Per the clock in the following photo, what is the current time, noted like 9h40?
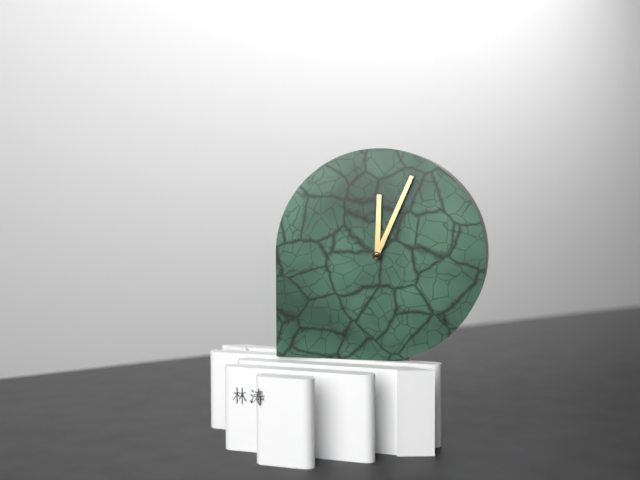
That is 12h04
